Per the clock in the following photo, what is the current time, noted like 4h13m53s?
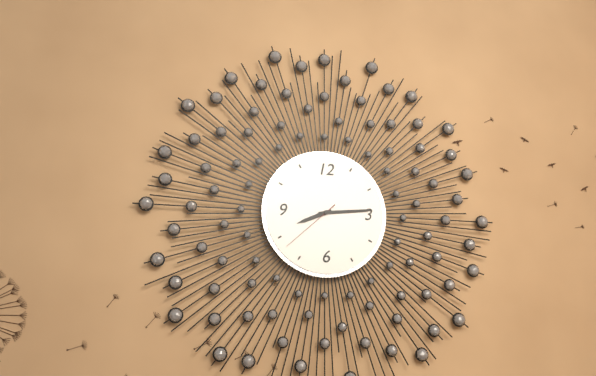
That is 8h14m38s
